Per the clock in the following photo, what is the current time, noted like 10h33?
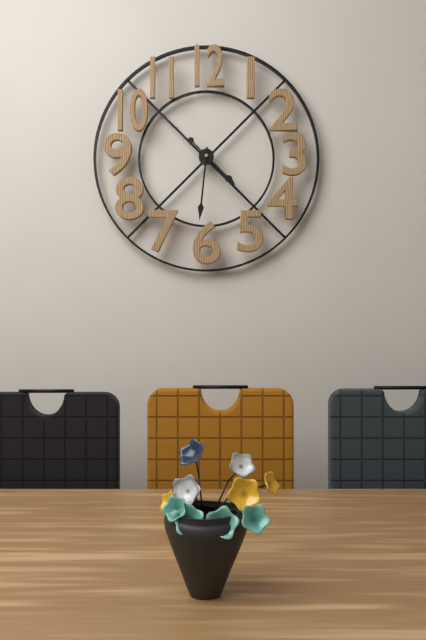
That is 4h31
